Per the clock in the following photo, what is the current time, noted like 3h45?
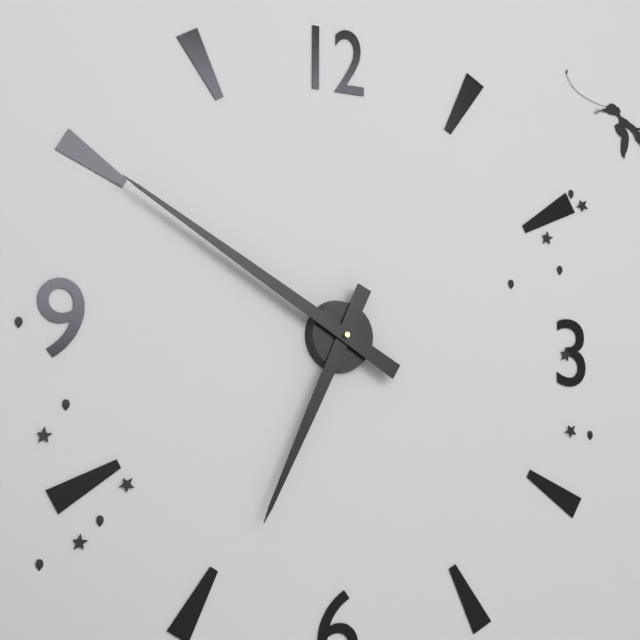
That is 6h50
